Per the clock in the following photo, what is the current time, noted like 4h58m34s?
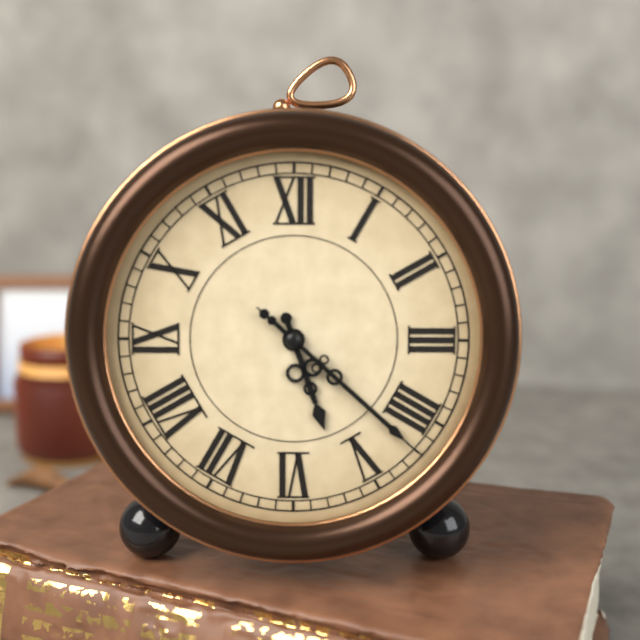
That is 5h22m22s
